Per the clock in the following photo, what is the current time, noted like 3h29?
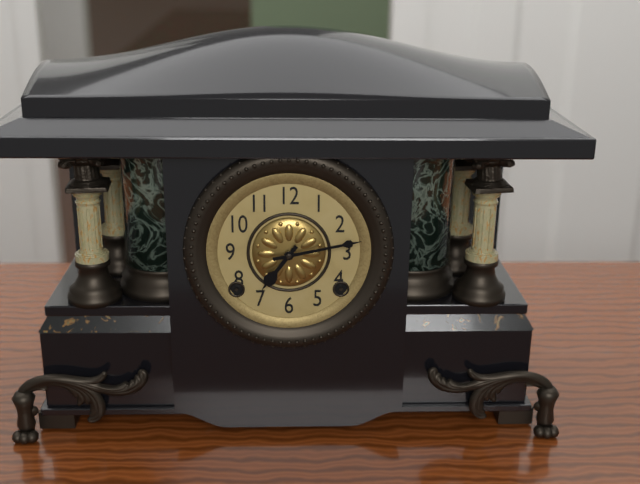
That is 7h13
